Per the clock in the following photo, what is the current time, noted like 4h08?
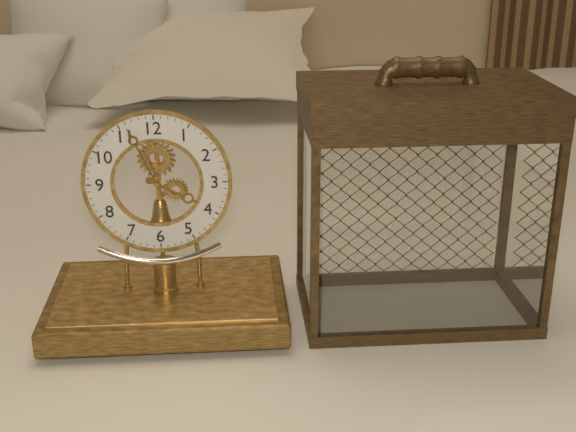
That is 3h56
